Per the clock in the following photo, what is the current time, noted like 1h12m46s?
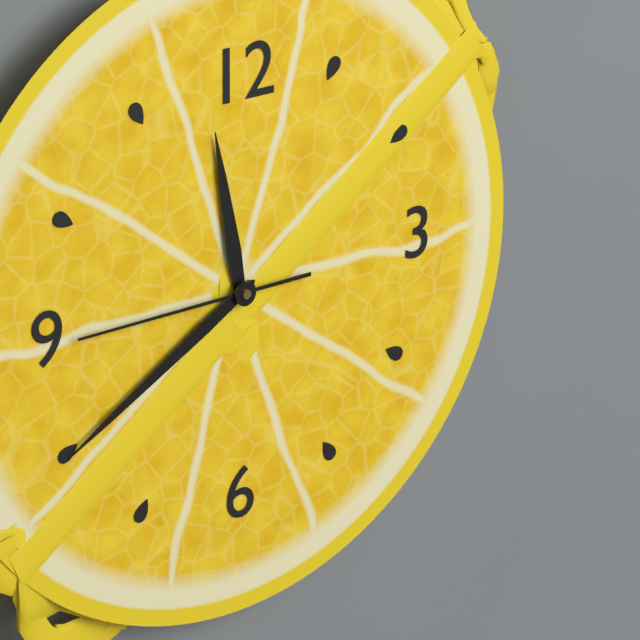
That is 11h40m45s
